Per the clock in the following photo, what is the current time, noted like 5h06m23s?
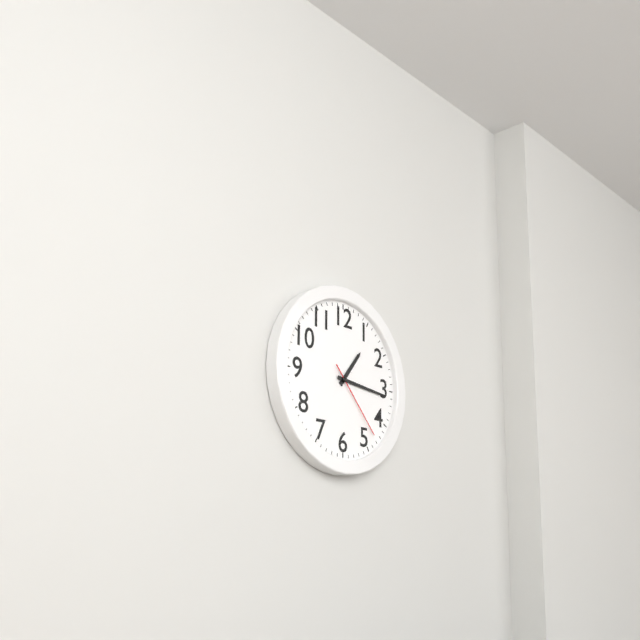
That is 1h16m23s
